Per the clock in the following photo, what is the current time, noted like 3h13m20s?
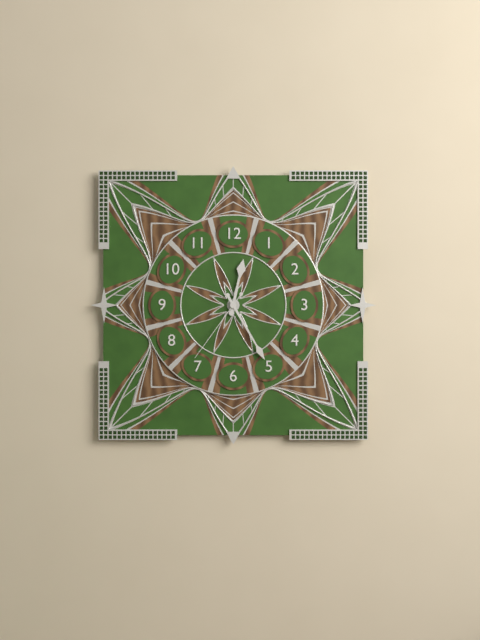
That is 12h25m36s
